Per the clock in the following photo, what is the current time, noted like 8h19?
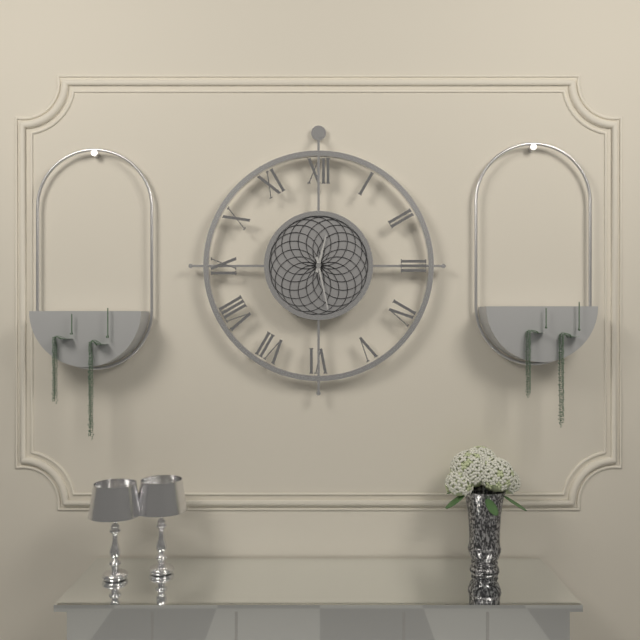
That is 12h28
